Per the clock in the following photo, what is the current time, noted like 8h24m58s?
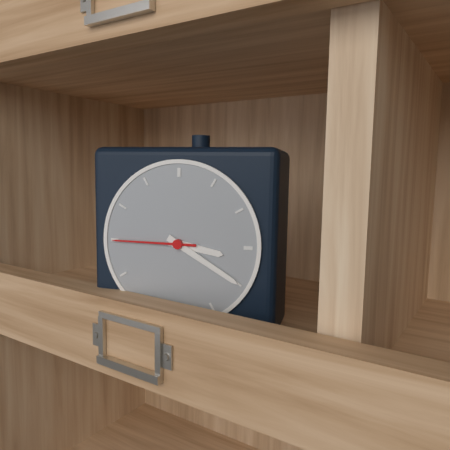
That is 3h20m45s
